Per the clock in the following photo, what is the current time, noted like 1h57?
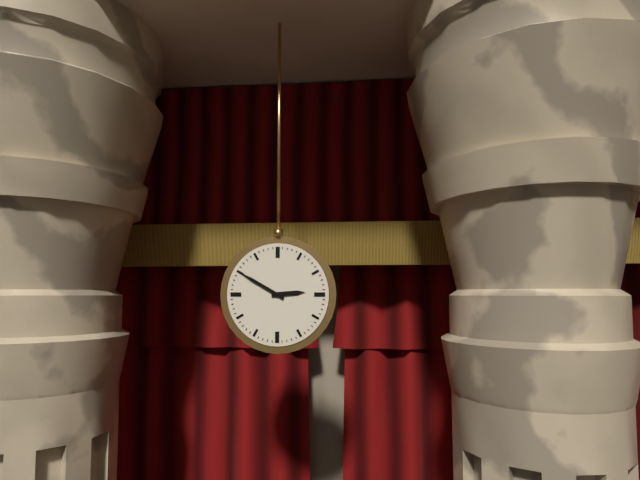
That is 2h50
